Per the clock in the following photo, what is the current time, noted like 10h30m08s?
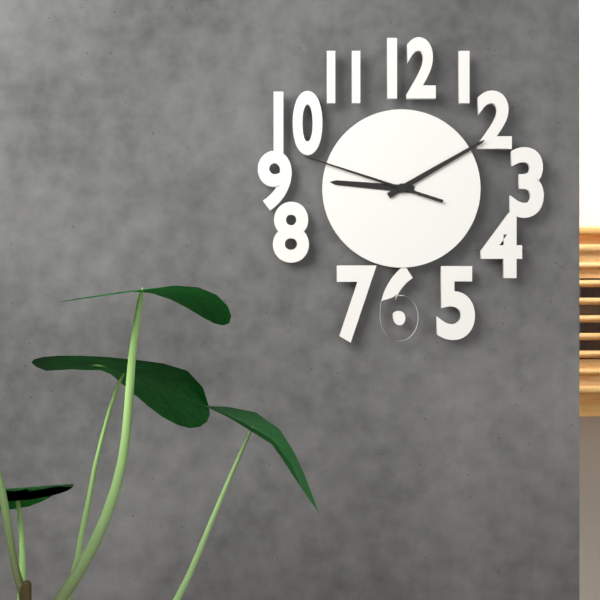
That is 9h10m48s
